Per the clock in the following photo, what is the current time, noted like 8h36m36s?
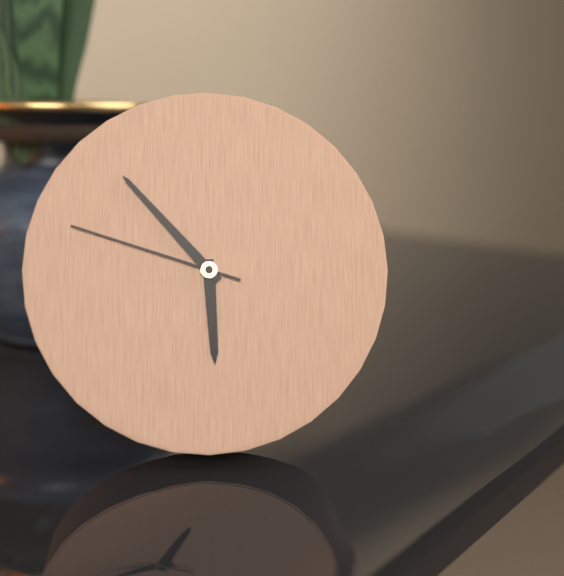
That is 5h53m48s
